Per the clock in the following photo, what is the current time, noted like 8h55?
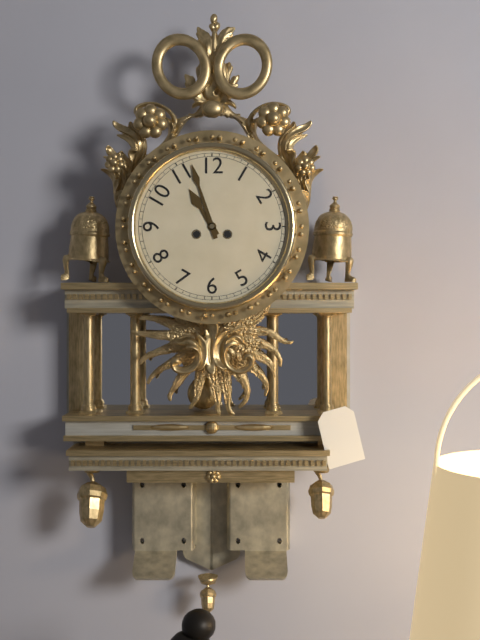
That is 10h57
